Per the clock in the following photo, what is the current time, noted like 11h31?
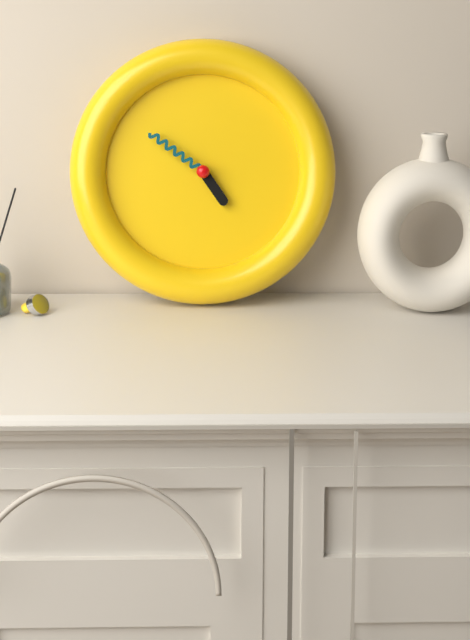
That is 4h51
